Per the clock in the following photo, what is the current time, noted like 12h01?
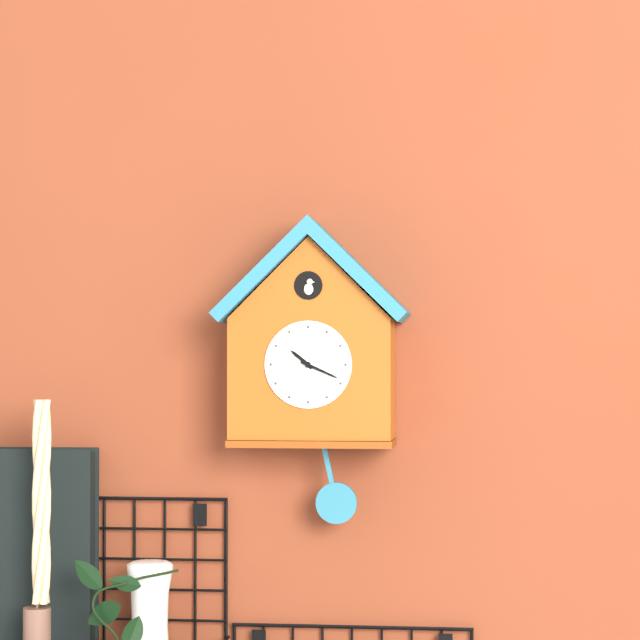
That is 10h19
